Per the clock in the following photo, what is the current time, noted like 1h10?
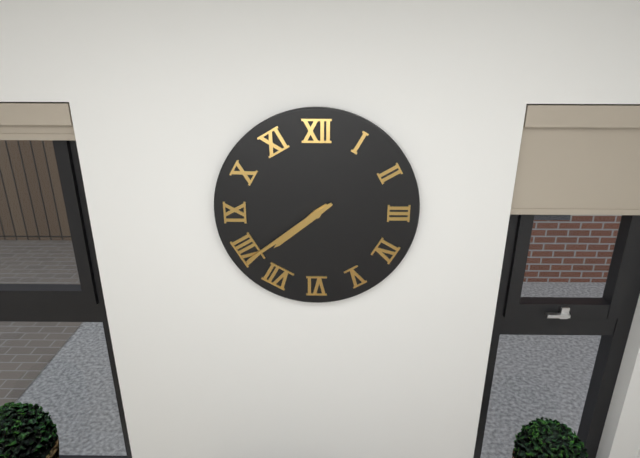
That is 7h39
